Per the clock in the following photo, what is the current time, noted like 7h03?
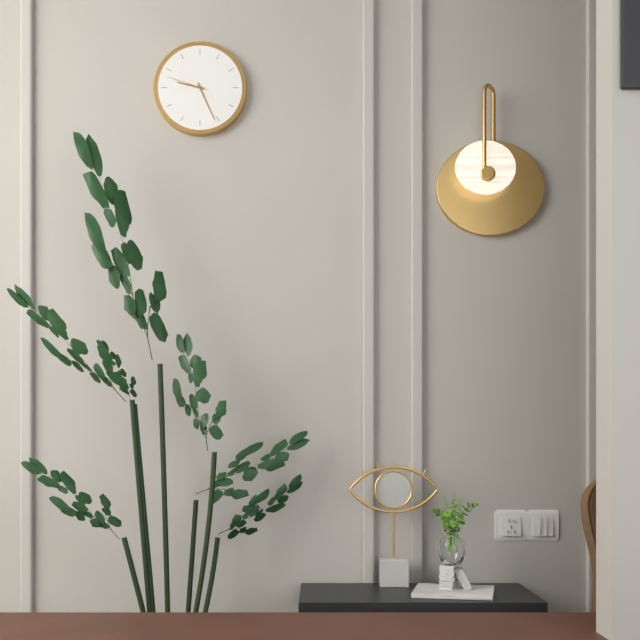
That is 9h26
